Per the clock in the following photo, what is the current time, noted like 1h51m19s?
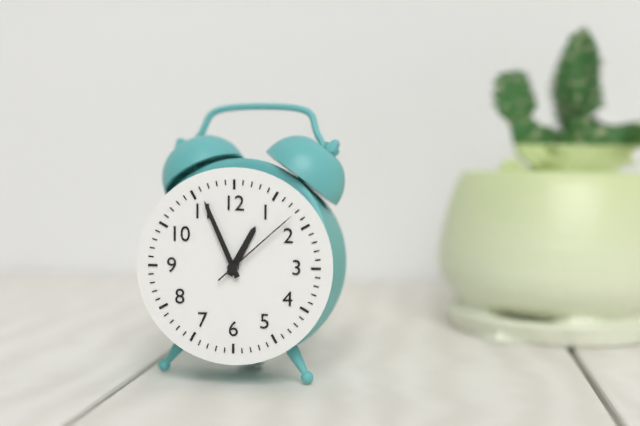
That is 12h56m08s
